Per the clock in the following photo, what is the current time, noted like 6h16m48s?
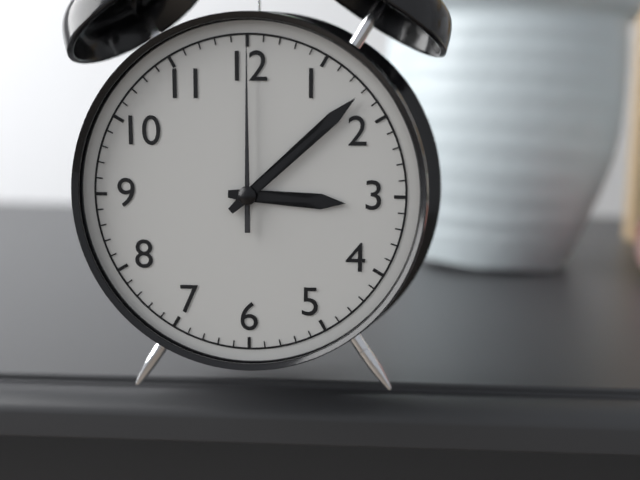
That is 3h08m00s
